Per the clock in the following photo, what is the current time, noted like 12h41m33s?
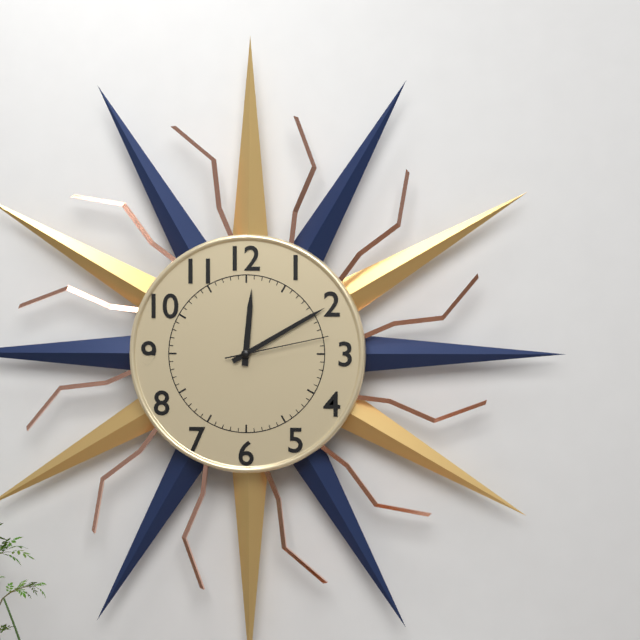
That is 12h10m13s
